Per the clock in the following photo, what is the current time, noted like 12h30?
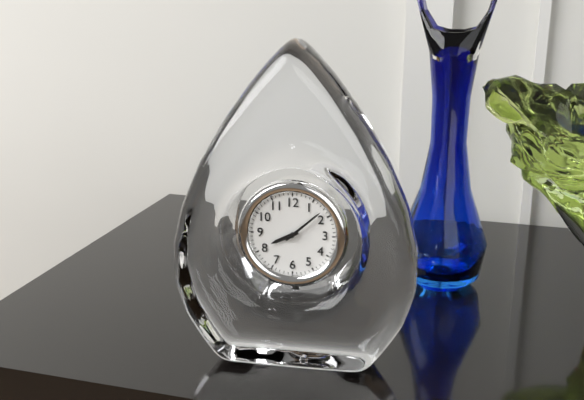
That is 8h08
